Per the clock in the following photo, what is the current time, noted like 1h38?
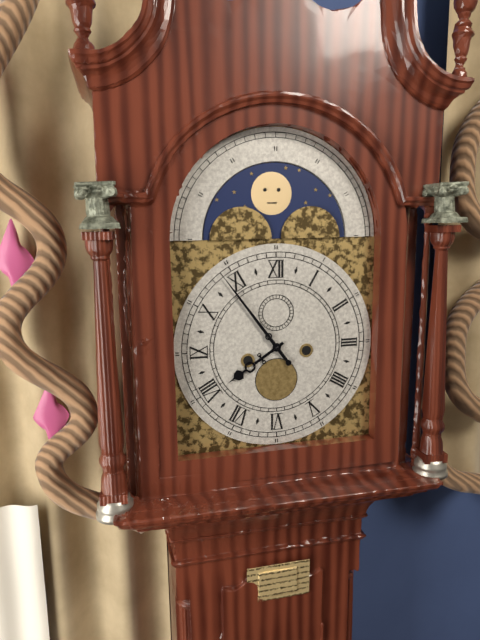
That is 7h54
